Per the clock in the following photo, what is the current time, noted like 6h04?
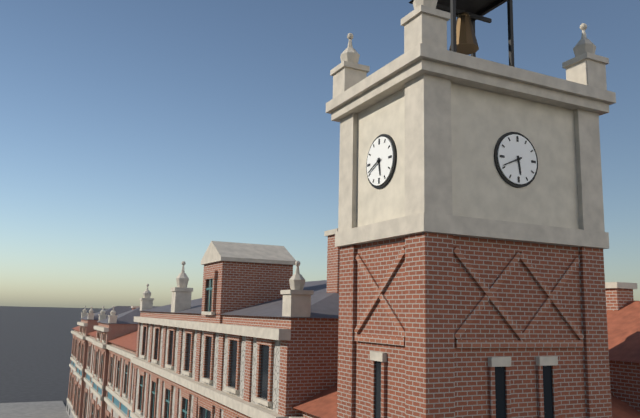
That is 5h41
